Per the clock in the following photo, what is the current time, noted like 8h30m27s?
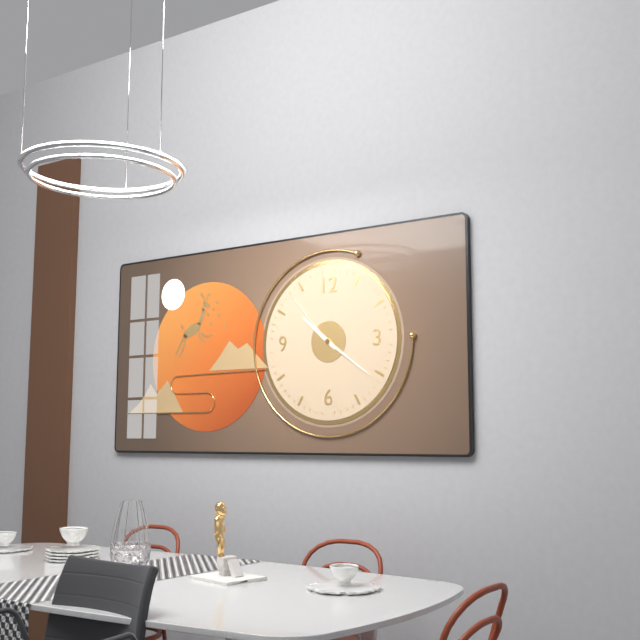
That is 10h21m53s
